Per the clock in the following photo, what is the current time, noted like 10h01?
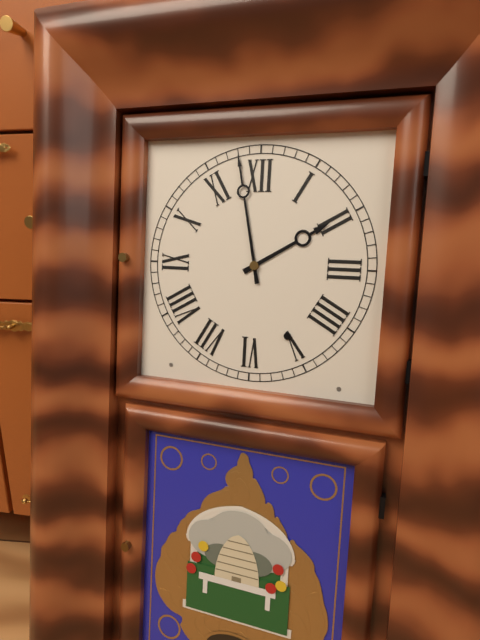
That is 1h58
